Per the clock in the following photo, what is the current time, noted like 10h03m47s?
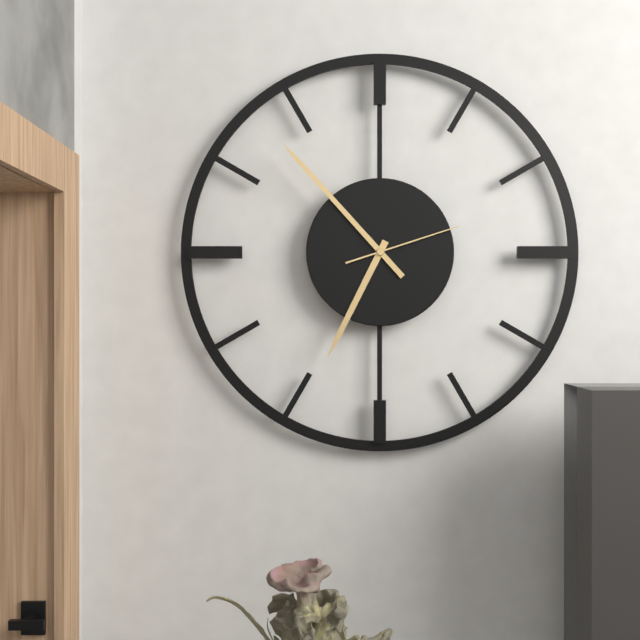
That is 6h53m12s
